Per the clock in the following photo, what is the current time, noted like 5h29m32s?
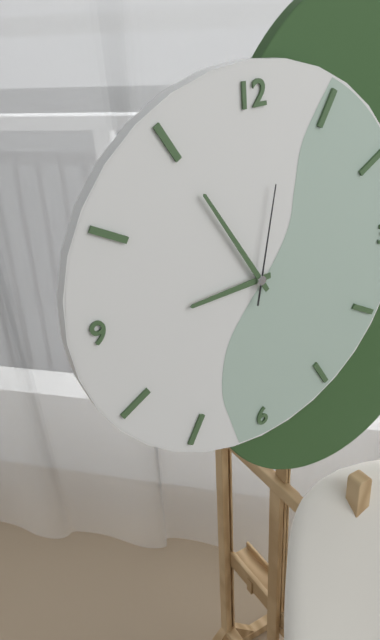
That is 8h55m02s
